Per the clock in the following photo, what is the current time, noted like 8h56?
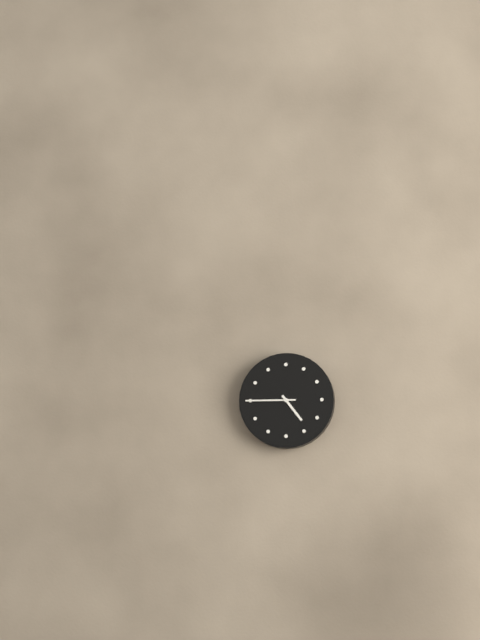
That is 4h45
